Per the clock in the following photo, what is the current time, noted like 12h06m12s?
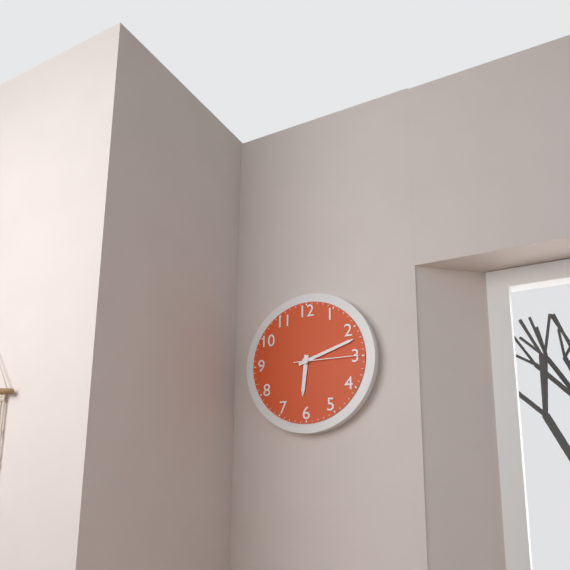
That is 6h12m15s
